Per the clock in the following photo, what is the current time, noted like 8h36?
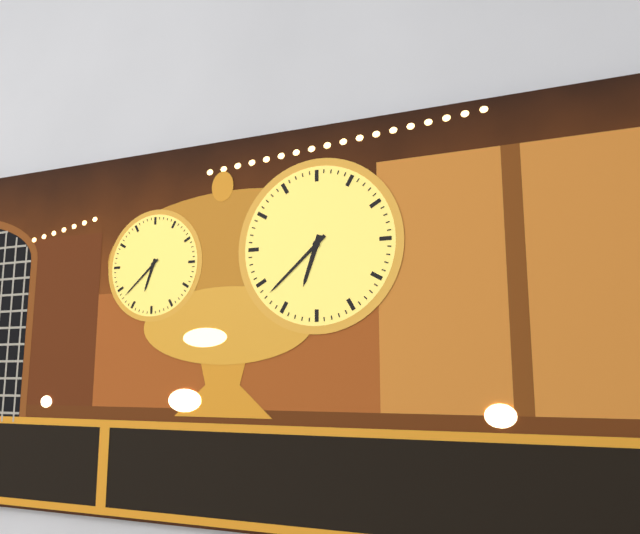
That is 6h38
